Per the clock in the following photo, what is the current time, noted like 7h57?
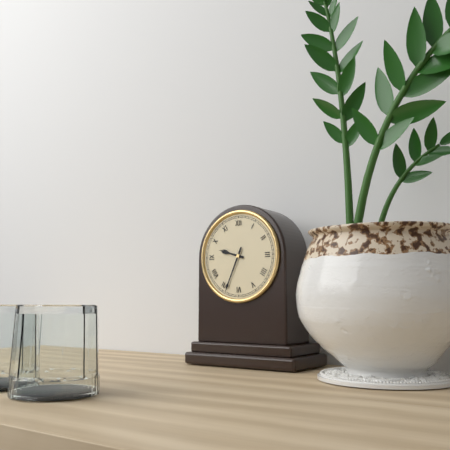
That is 9h34
